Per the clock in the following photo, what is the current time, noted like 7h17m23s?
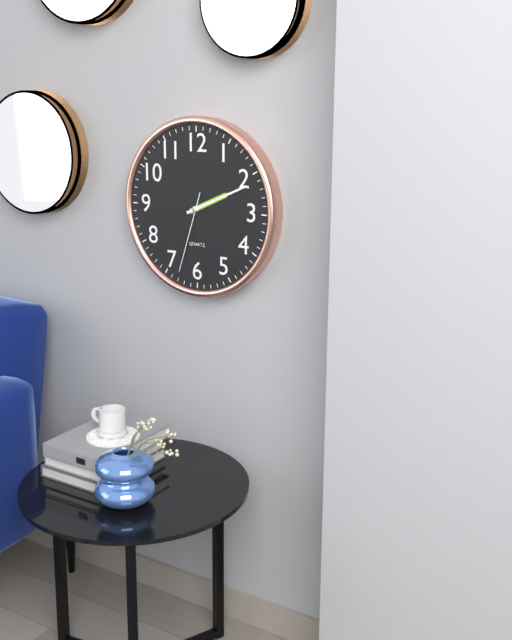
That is 2h11m33s
